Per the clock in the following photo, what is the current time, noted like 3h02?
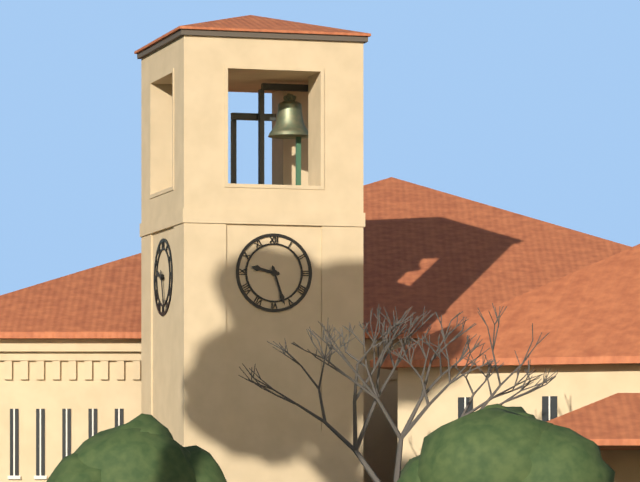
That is 9h27
